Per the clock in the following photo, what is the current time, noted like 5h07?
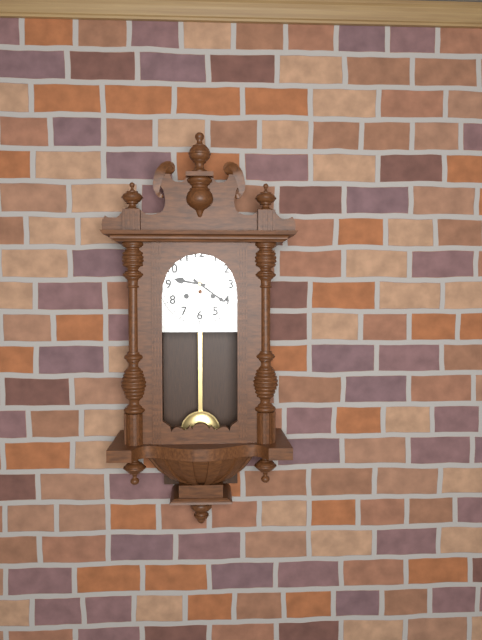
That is 9h21
